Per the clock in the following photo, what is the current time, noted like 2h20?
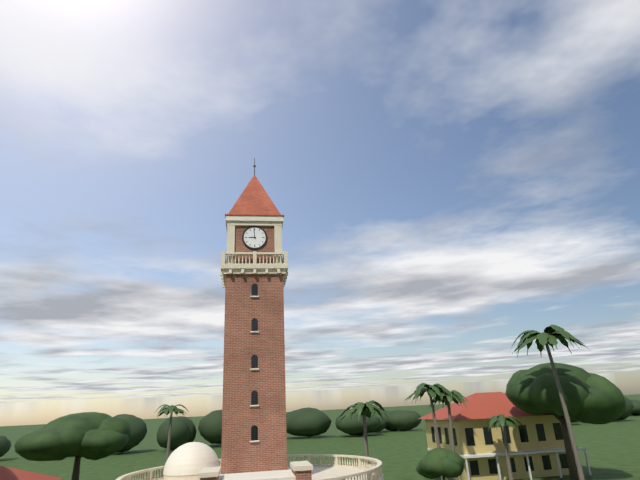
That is 8h59
